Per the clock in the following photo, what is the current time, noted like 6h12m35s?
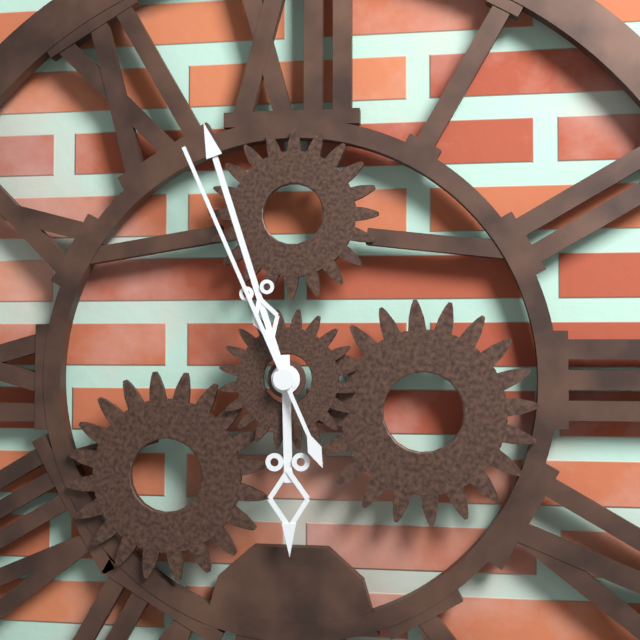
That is 5h57m56s
